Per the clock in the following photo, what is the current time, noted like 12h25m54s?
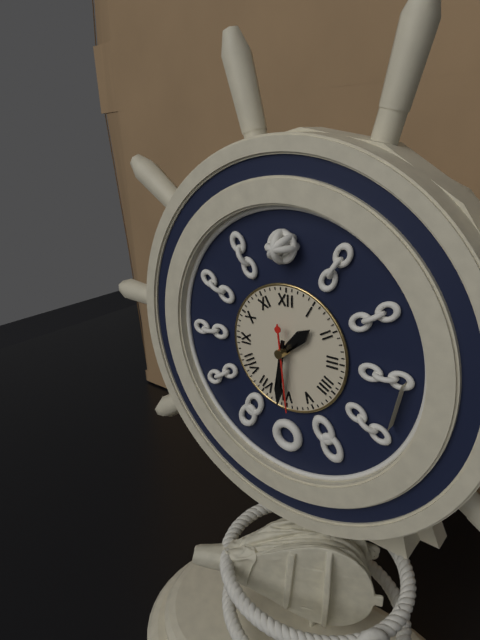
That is 1h31m29s
